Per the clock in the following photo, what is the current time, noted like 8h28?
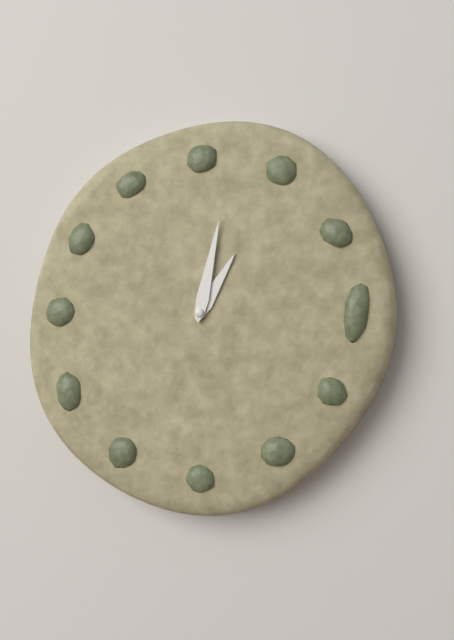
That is 1h02
